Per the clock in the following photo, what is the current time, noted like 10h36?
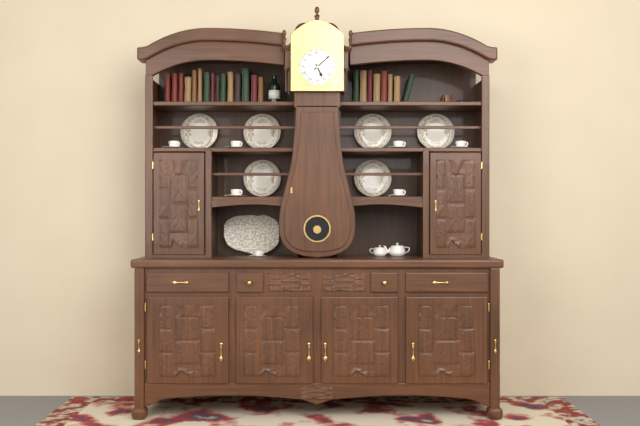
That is 5h08
